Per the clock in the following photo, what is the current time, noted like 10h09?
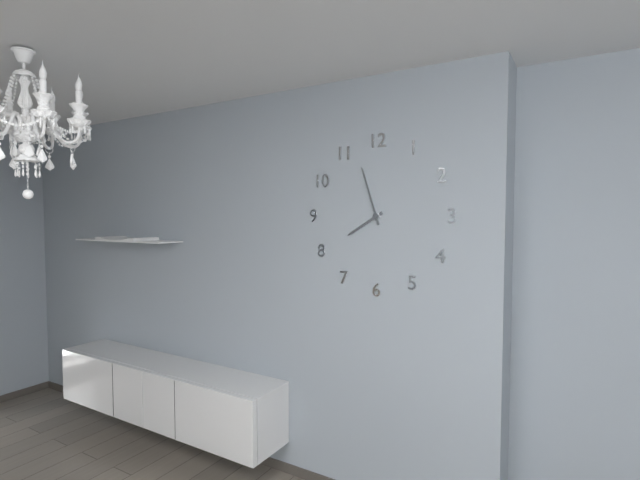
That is 7h57
